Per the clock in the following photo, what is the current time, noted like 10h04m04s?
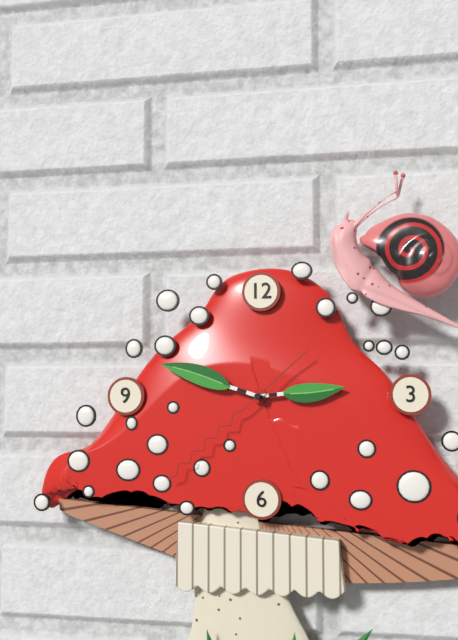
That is 2h48m38s
